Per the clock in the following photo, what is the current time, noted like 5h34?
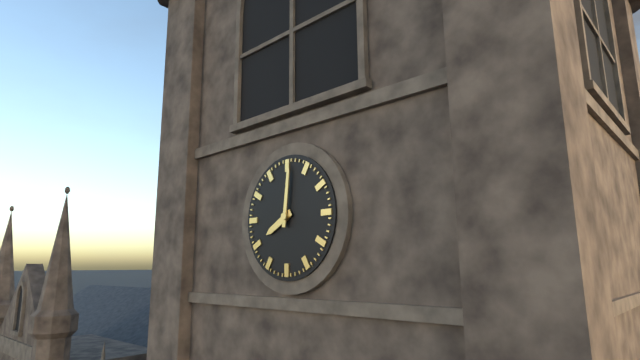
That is 8h01
